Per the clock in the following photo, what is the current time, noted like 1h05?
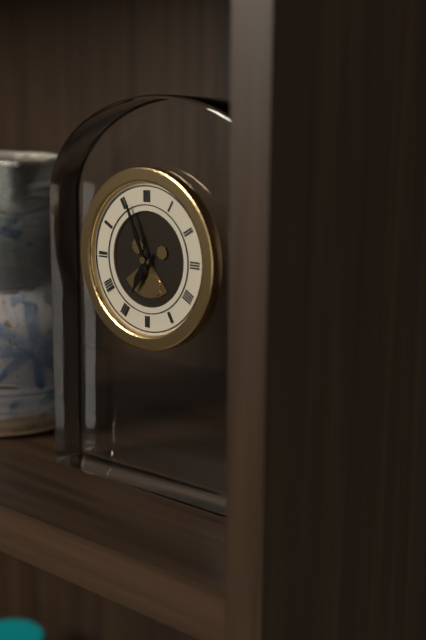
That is 6h56
